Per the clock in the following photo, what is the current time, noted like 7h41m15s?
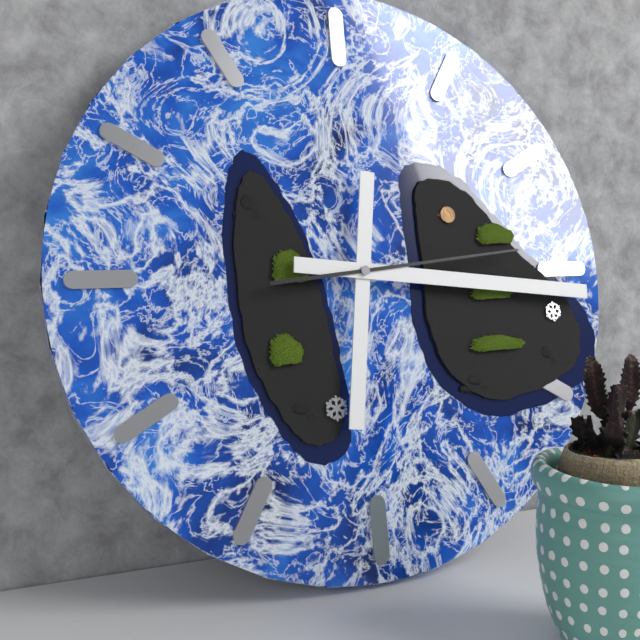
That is 6h16m14s
